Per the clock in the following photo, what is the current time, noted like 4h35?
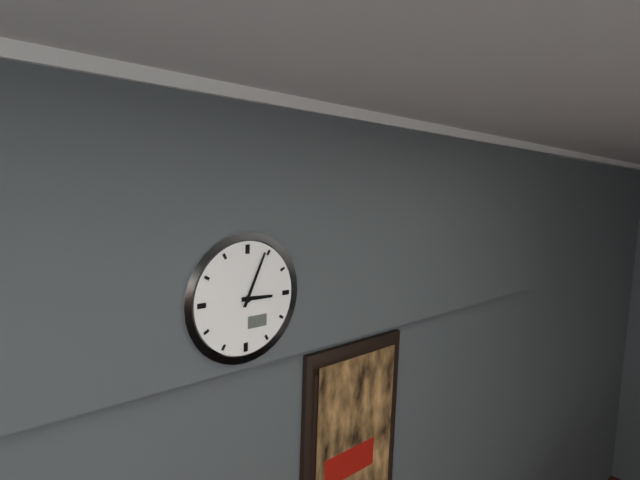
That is 3h04
